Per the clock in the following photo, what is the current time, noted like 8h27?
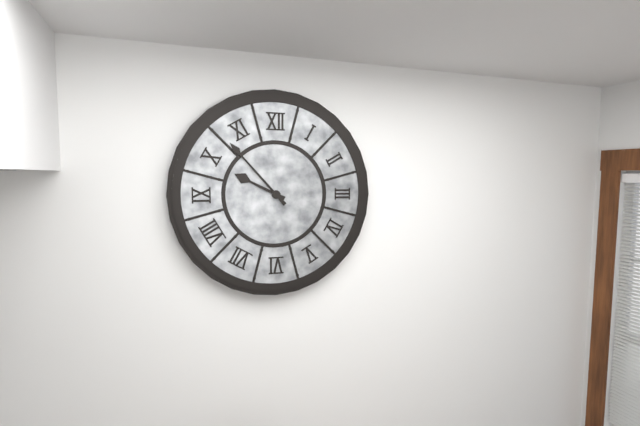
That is 9h53
